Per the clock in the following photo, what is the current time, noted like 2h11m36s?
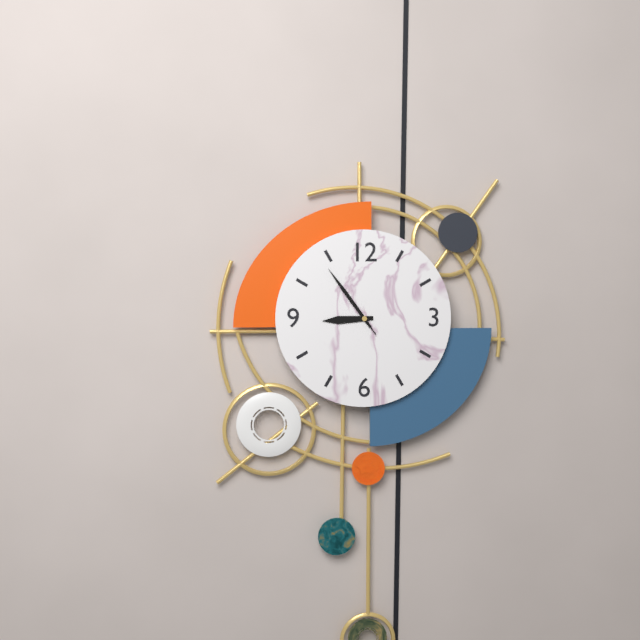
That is 8h54m54s
